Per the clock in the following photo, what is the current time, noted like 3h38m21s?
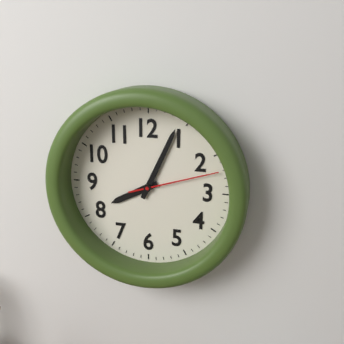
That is 8h04m12s
